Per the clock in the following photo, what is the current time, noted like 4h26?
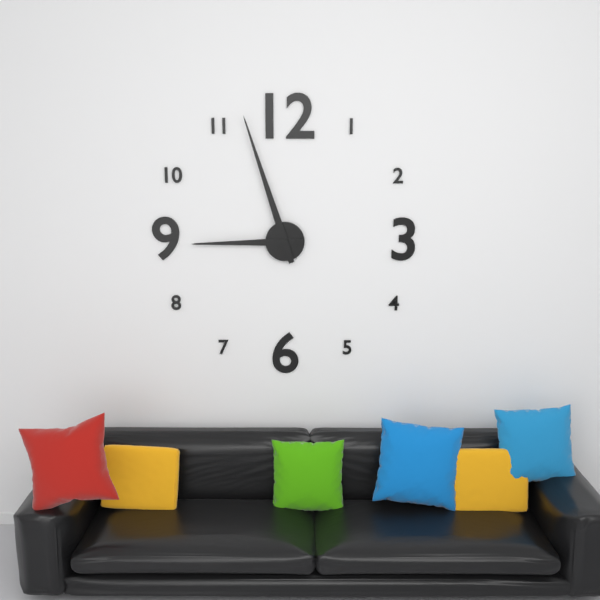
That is 8h57
